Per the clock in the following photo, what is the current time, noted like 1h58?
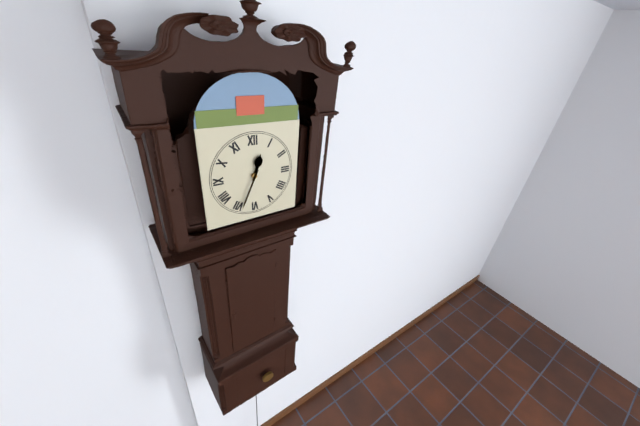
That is 12h34
